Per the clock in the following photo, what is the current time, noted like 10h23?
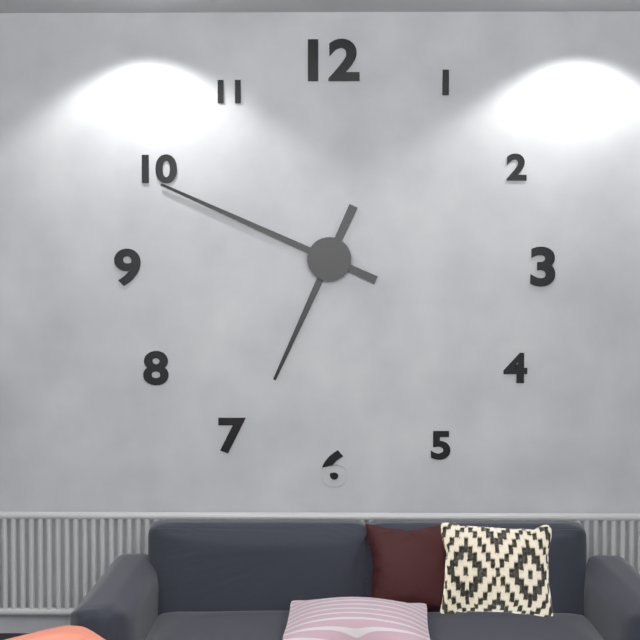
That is 6h49
